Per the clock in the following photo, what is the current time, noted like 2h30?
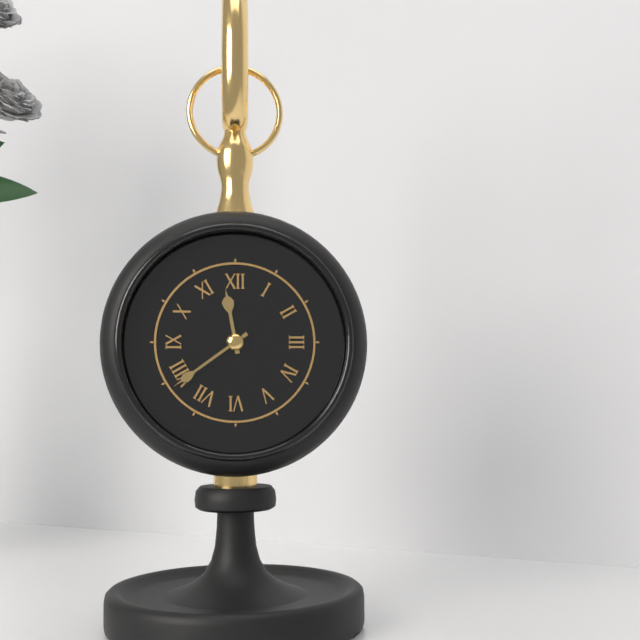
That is 11h39
